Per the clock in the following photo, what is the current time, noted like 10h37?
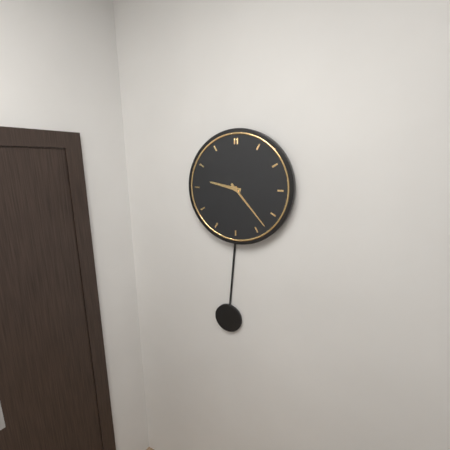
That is 9h23
